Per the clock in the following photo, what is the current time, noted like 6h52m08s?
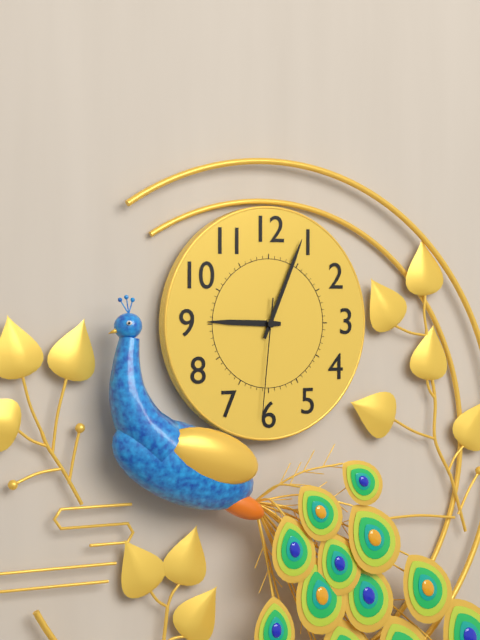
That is 9h04m31s
